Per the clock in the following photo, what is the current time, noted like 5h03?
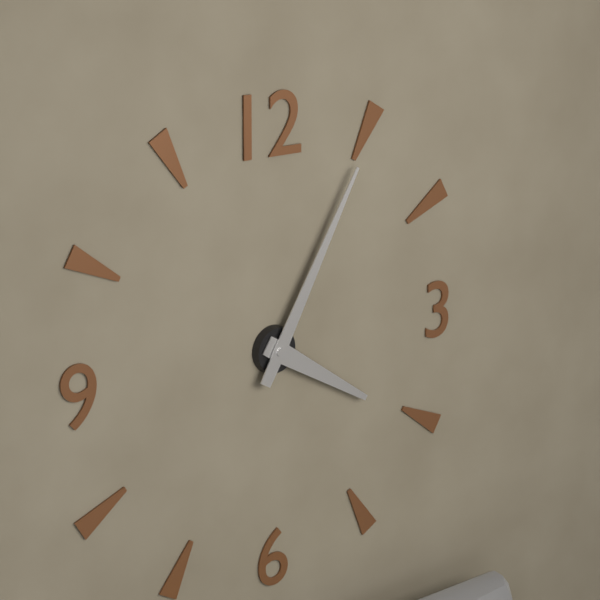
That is 4h05
